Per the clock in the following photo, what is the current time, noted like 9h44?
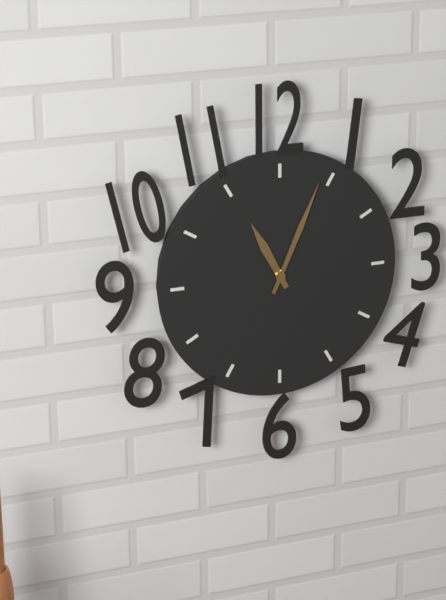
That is 11h04
